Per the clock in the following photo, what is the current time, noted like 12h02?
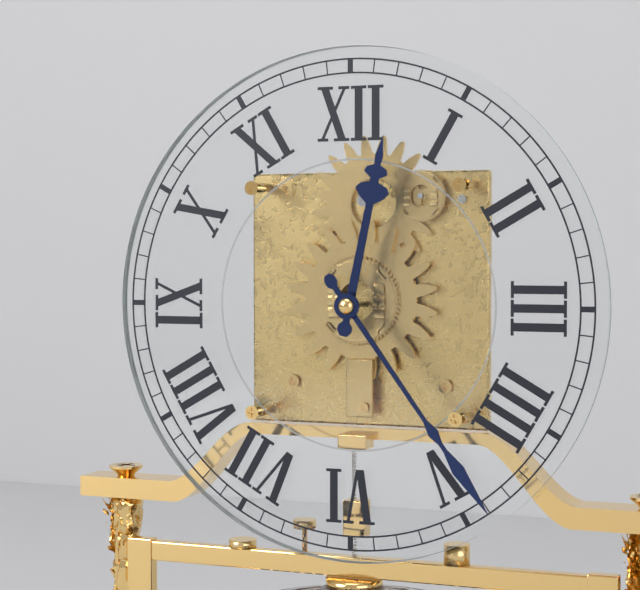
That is 12h24
